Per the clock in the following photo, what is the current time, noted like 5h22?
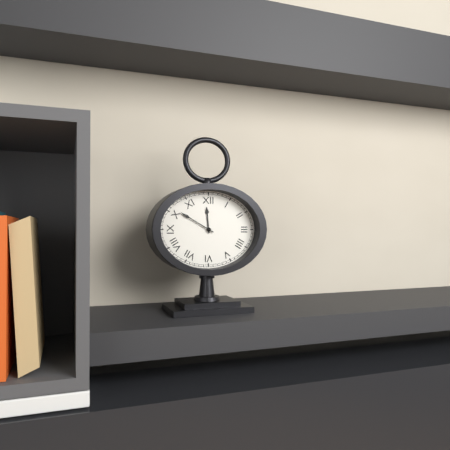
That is 11h50
